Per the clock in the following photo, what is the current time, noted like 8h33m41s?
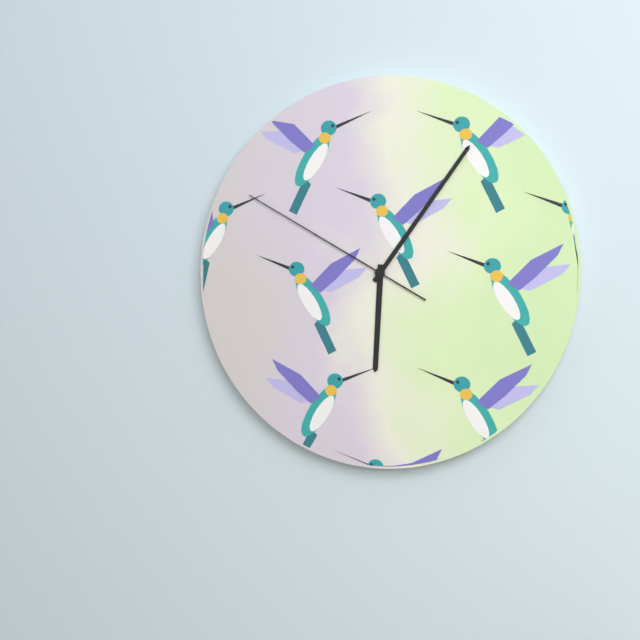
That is 6h06m50s
